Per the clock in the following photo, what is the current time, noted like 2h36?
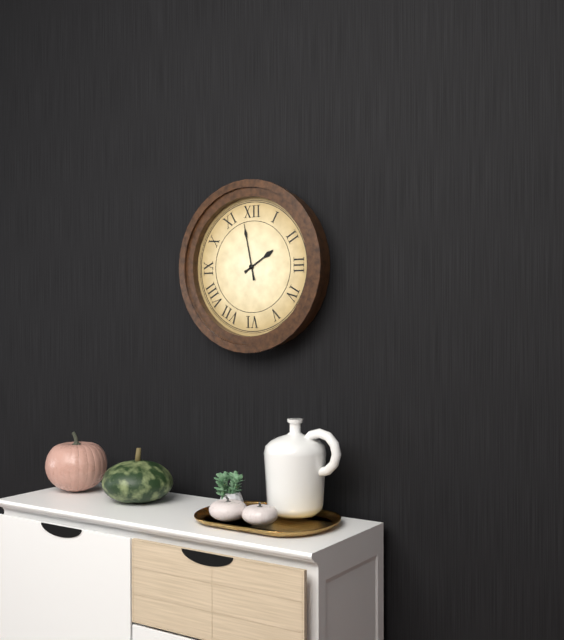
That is 1h58
